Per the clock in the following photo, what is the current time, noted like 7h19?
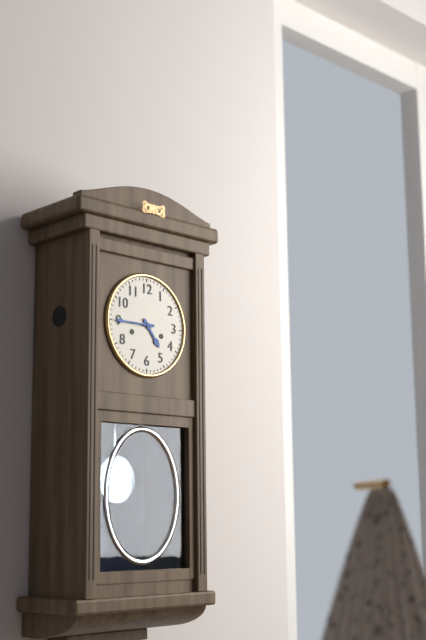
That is 4h45
